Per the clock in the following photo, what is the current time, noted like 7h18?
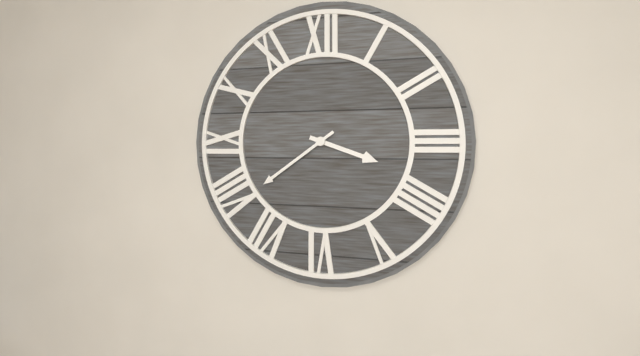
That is 3h39
